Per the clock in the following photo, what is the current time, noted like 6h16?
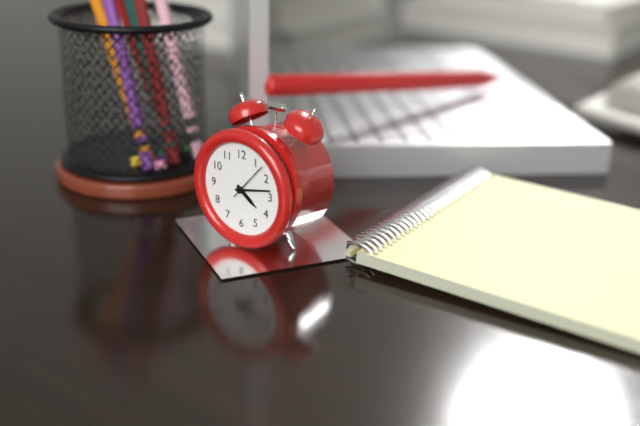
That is 4h13
